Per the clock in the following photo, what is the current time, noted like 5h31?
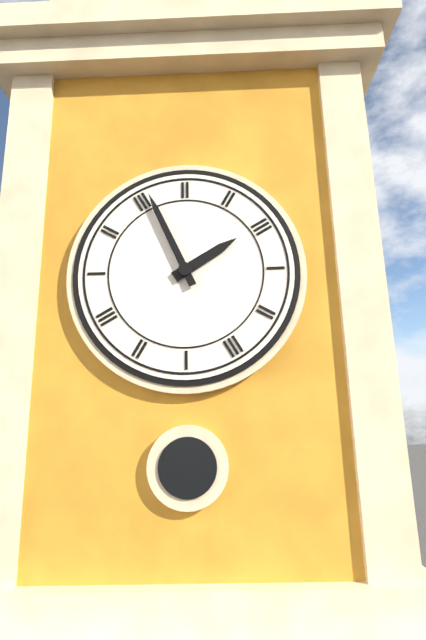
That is 1h56
